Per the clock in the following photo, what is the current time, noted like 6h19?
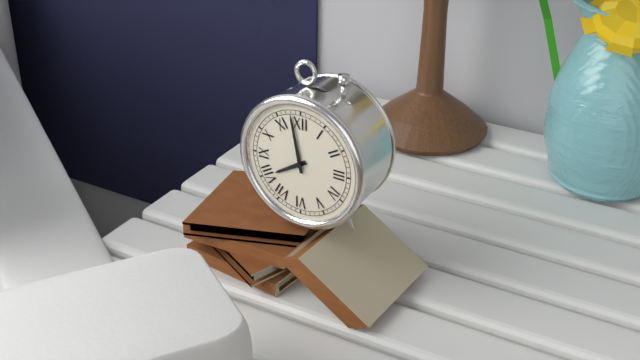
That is 7h58
